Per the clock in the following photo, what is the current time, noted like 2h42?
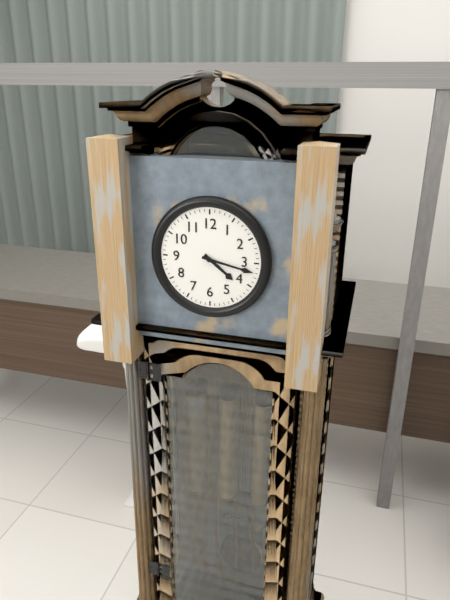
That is 4h17
